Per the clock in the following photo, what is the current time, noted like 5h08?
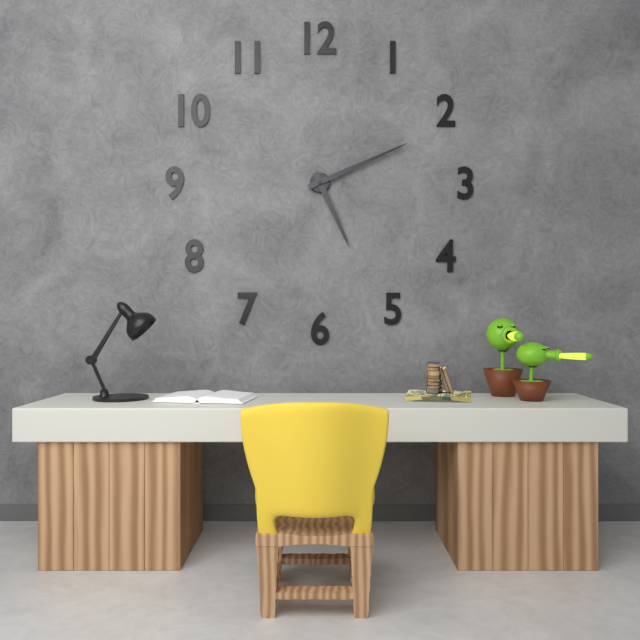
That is 5h11
